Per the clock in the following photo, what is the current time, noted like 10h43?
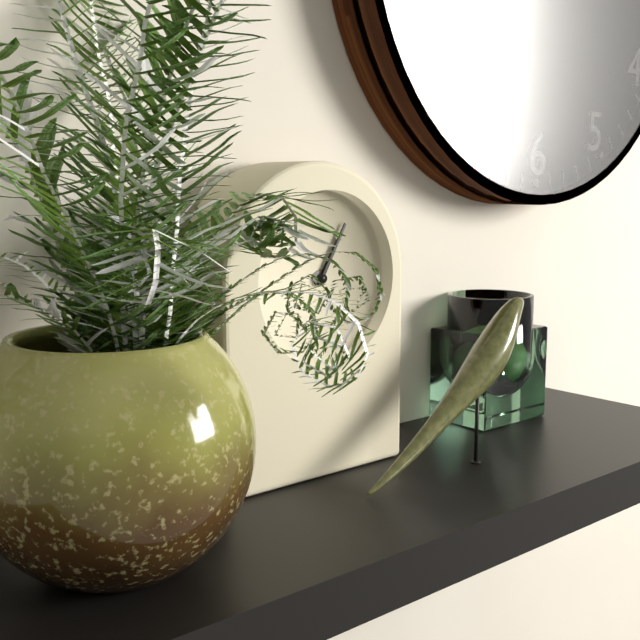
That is 1h05
